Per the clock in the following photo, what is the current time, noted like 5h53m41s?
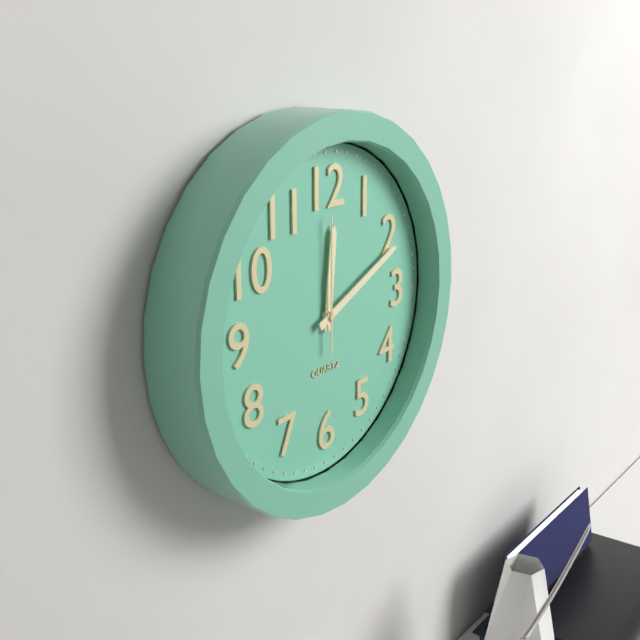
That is 12h11m00s
